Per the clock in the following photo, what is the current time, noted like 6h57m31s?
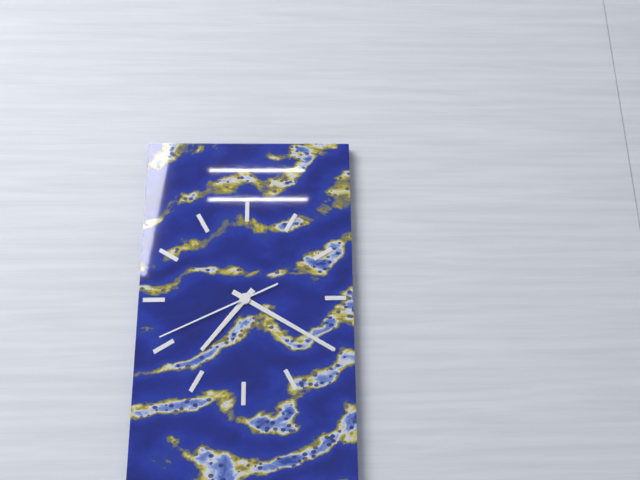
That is 7h20m41s
